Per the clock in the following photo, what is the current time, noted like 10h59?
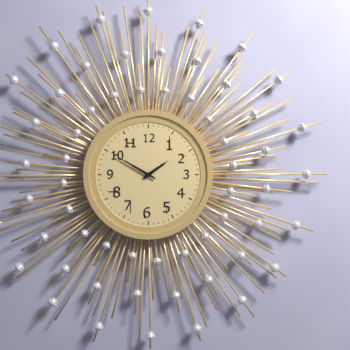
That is 1h50
